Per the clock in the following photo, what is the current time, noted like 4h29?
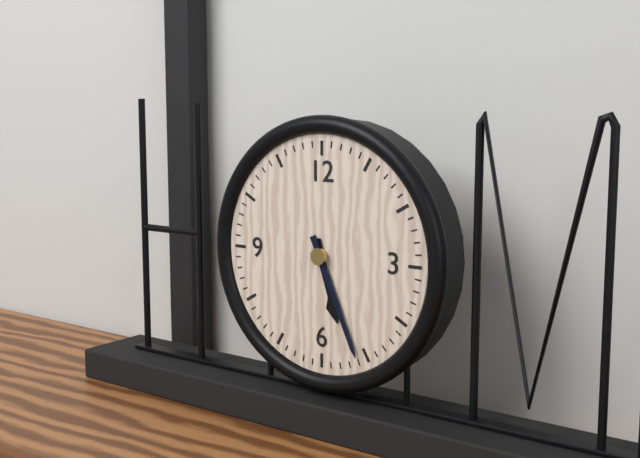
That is 5h26
